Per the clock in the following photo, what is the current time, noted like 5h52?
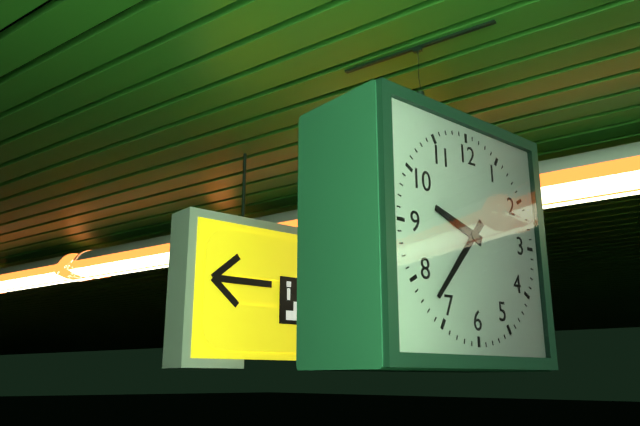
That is 9h37
